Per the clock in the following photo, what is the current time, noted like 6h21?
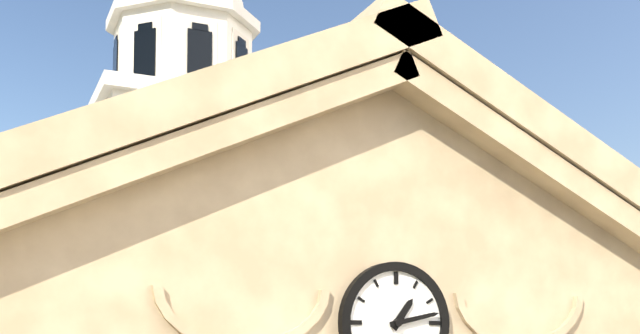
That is 1h13
